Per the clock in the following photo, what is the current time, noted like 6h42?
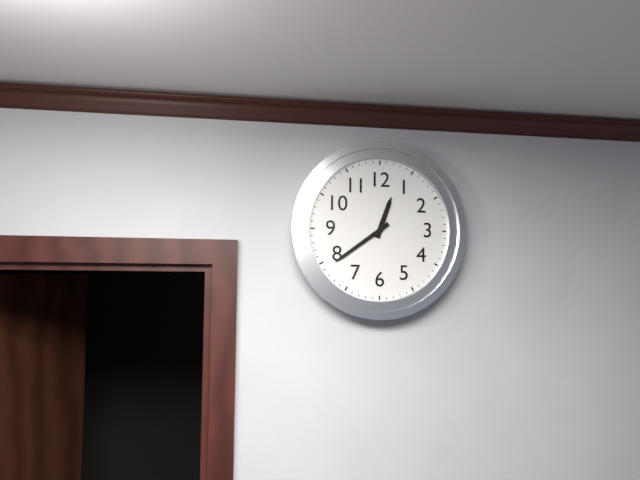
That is 12h39
